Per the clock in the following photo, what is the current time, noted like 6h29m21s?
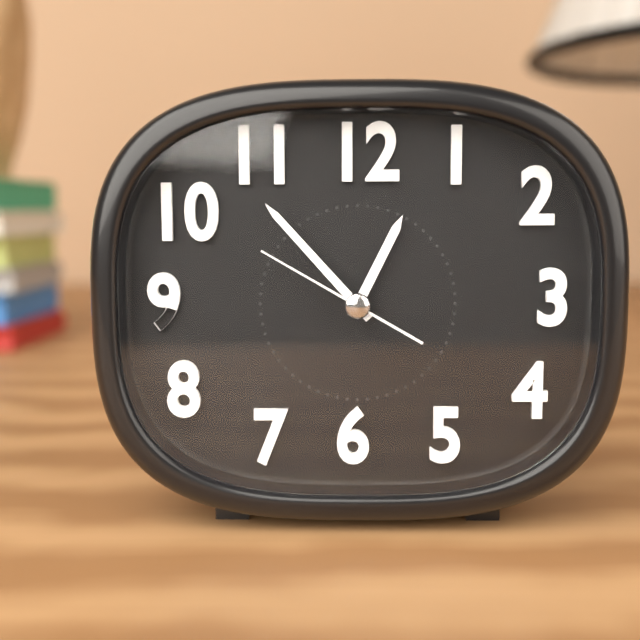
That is 12h53m50s
